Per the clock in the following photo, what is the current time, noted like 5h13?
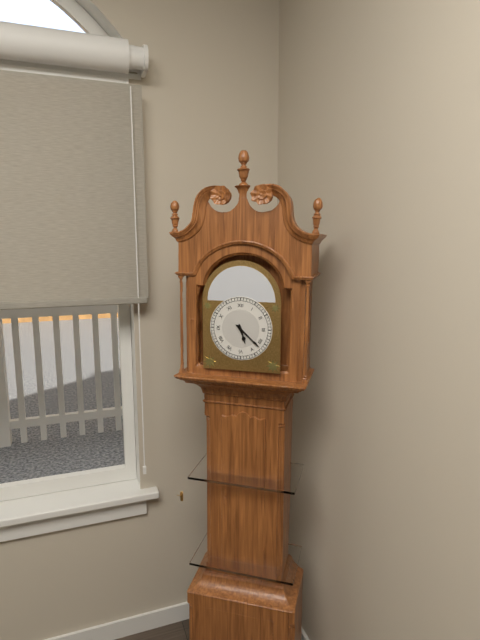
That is 5h22
